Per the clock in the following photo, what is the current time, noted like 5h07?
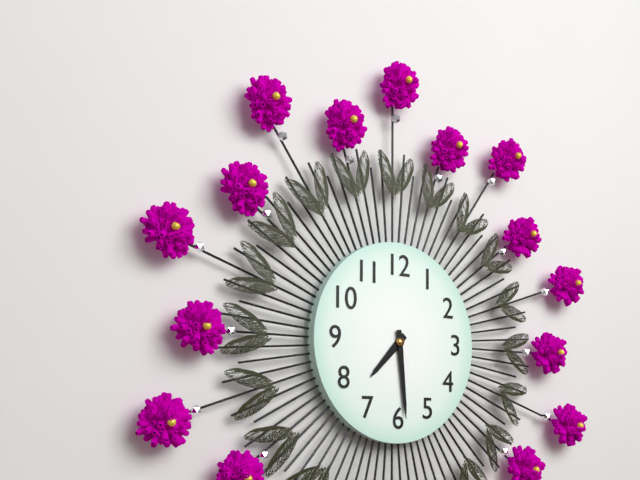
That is 7h29
